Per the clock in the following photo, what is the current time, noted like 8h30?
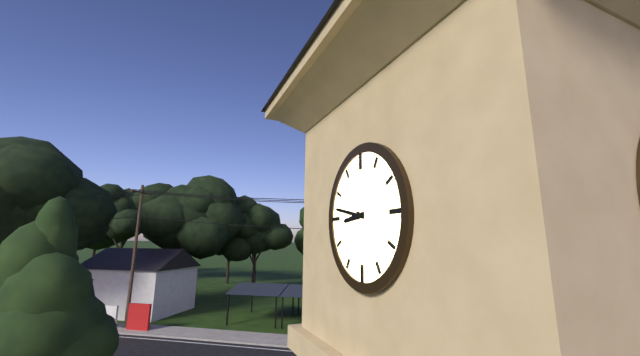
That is 8h47
